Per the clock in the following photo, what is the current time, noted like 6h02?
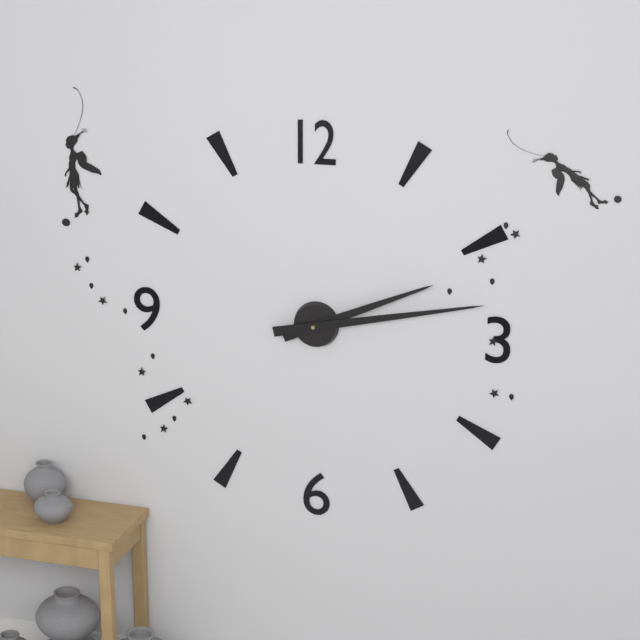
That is 2h13
